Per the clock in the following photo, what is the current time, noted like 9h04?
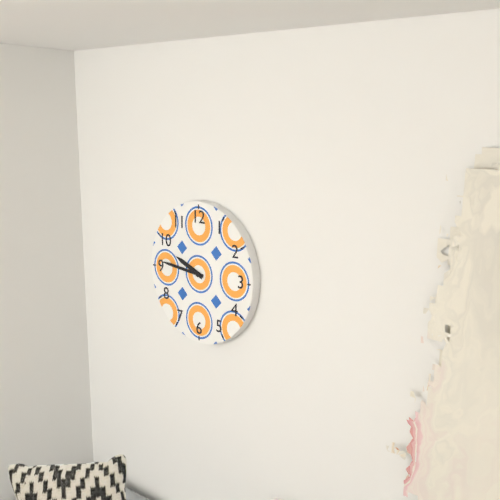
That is 9h46
